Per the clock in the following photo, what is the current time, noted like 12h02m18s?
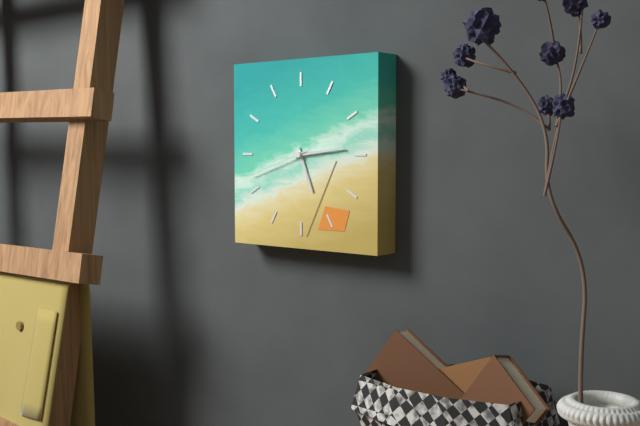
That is 5h14m42s
